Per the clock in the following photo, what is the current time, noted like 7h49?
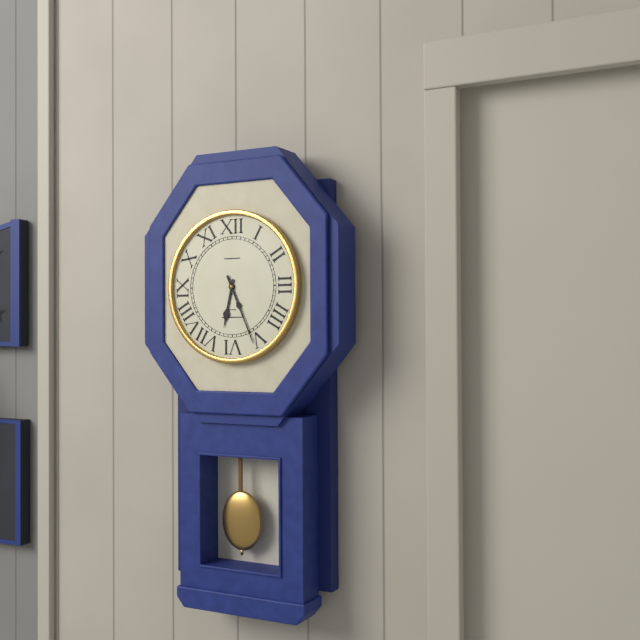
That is 6h26
